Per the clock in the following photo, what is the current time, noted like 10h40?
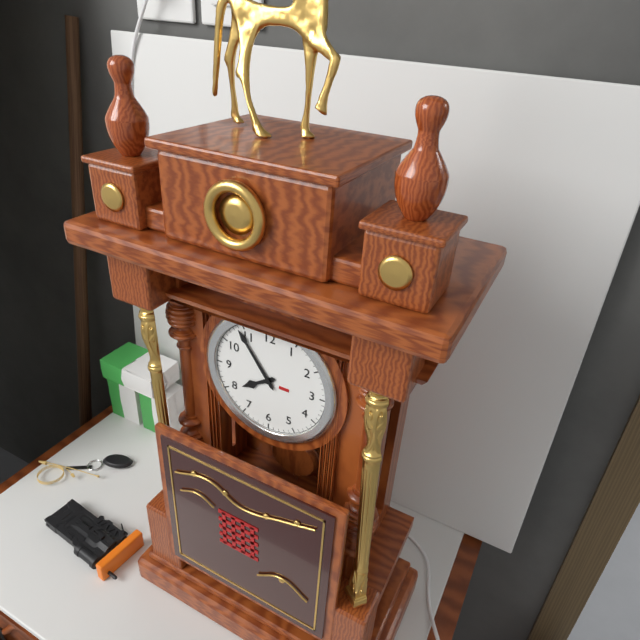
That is 7h54
